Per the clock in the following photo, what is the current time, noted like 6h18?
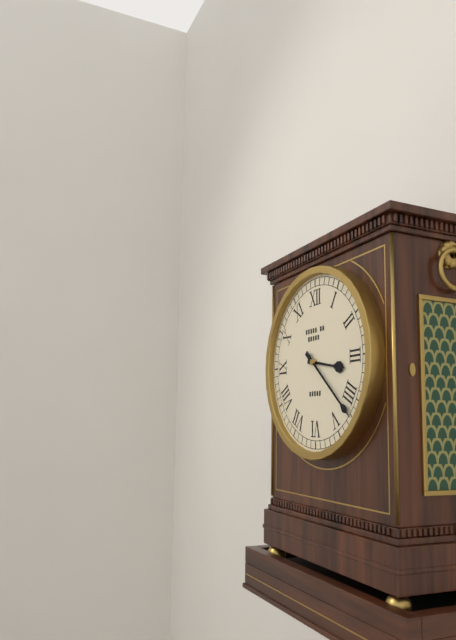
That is 3h22
